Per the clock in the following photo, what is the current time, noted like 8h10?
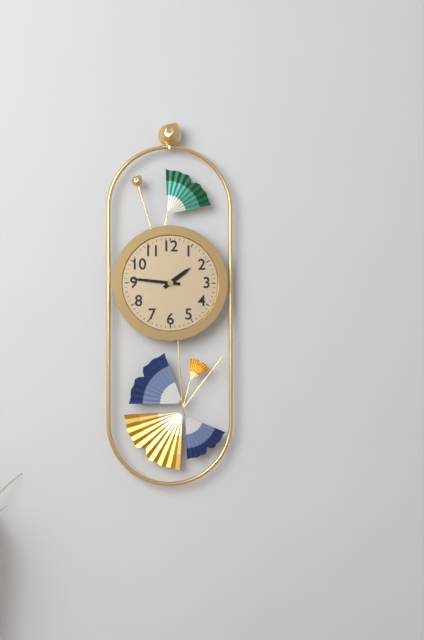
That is 1h46
